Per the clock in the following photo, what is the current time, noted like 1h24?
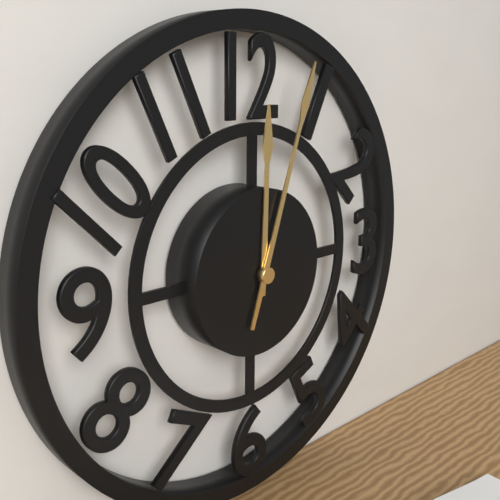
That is 12h03
